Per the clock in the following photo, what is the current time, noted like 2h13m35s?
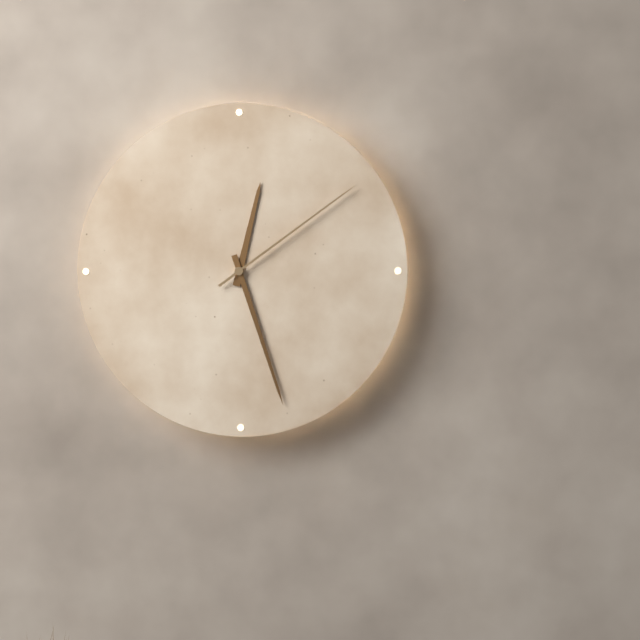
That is 12h27m09s
